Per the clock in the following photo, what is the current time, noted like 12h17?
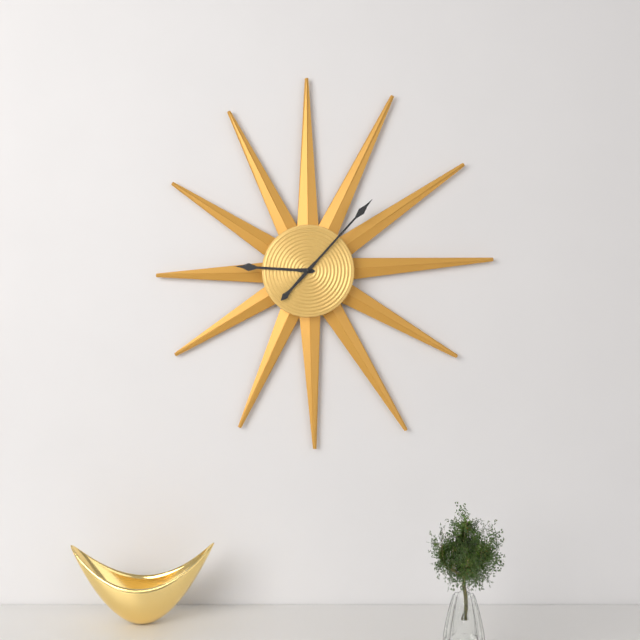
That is 9h07
